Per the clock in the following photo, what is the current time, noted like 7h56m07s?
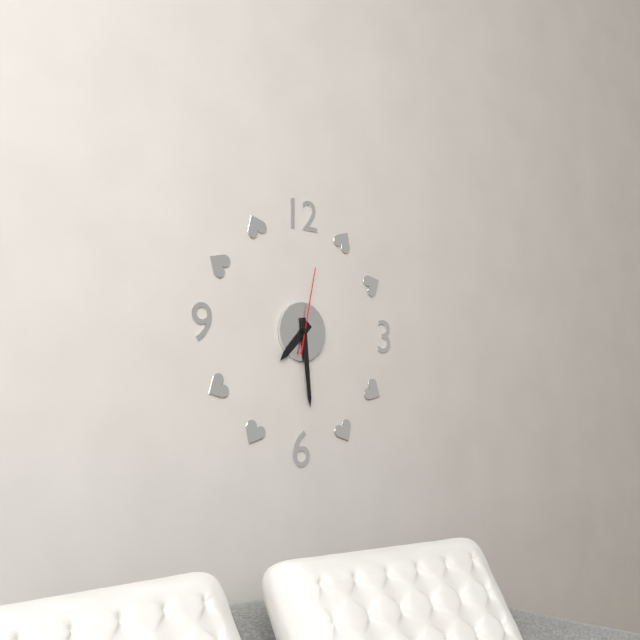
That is 7h29m02s
